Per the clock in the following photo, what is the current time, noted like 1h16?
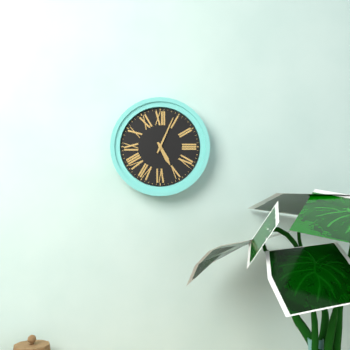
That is 5h04
